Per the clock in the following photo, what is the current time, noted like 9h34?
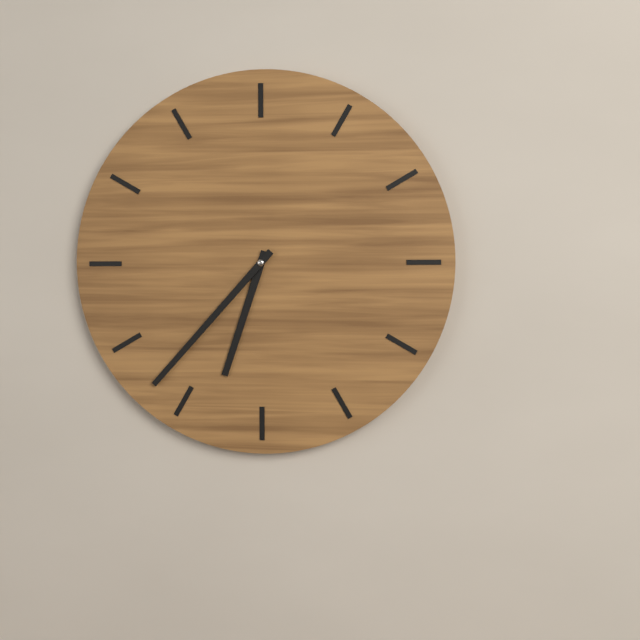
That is 6h37
